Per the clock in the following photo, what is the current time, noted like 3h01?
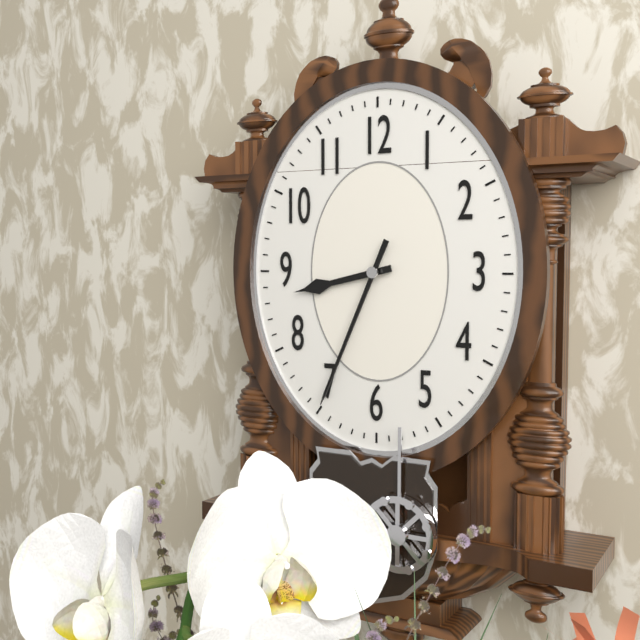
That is 8h34
